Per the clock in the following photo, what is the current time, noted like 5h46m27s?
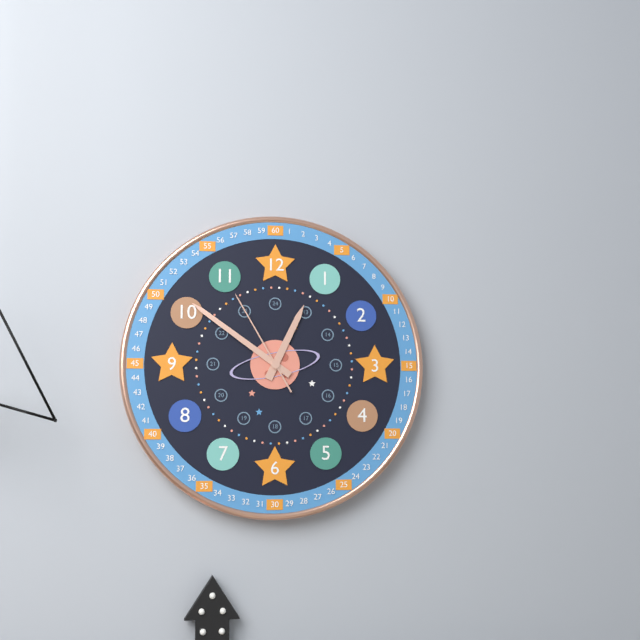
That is 12h51m55s
